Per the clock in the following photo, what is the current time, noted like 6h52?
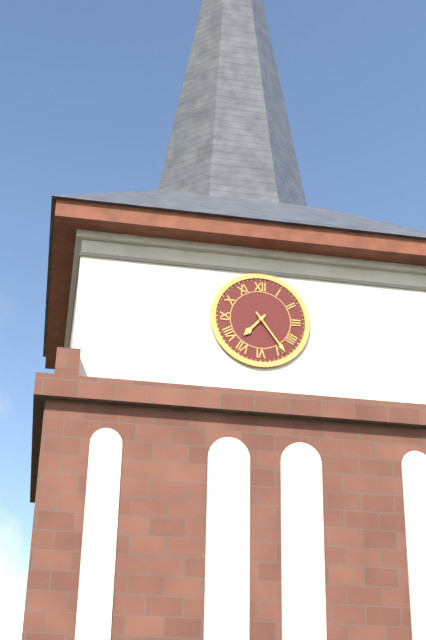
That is 7h24
